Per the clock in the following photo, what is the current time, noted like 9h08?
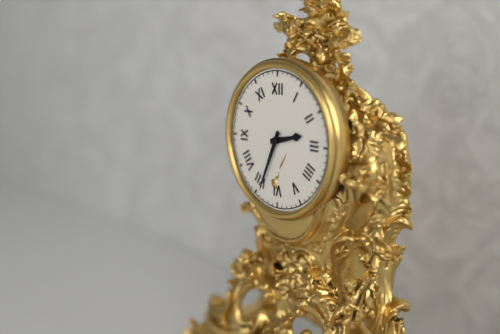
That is 2h34
